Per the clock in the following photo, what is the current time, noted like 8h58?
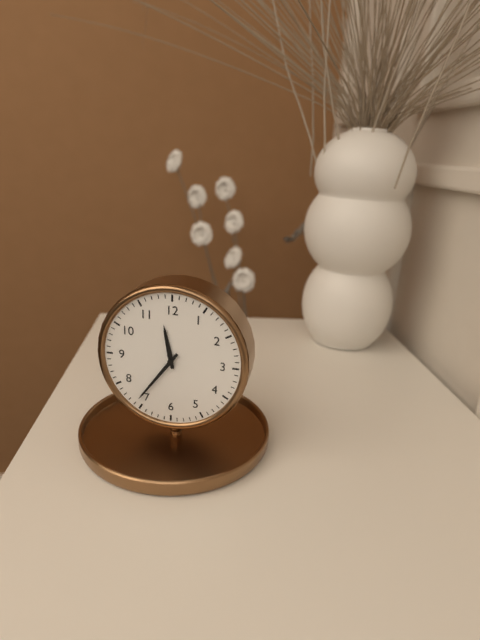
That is 11h36
